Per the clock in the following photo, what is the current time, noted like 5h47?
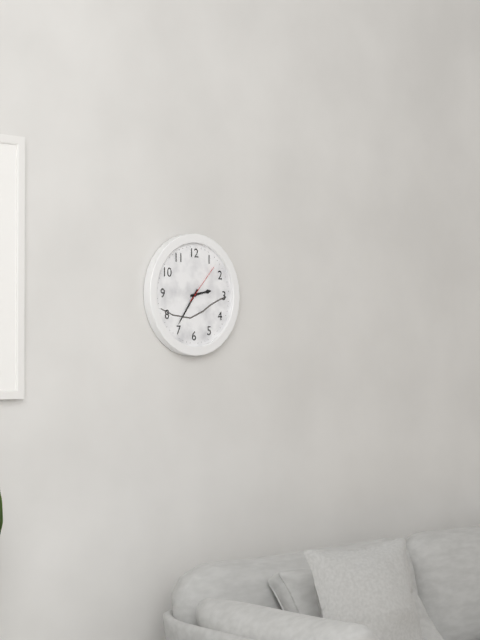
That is 2h36
